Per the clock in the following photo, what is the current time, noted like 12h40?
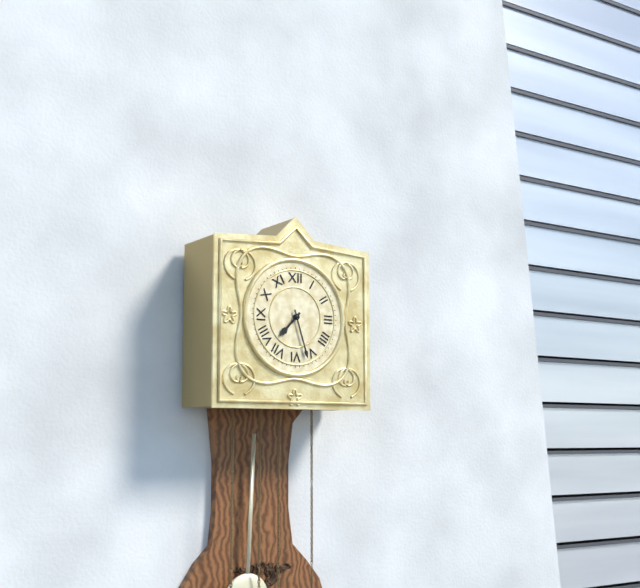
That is 7h27
